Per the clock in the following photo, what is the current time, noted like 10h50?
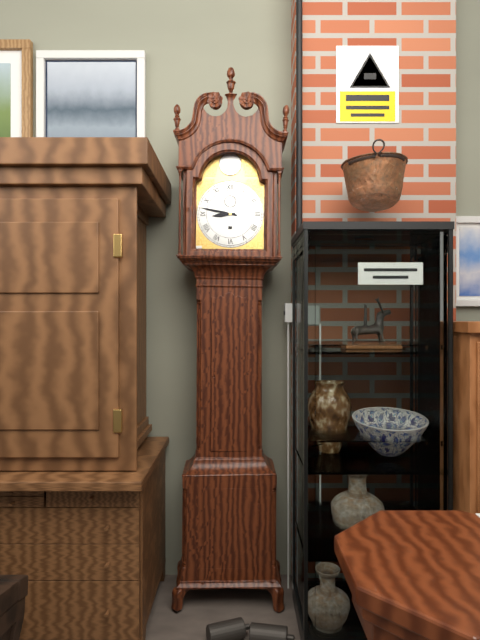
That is 8h47
